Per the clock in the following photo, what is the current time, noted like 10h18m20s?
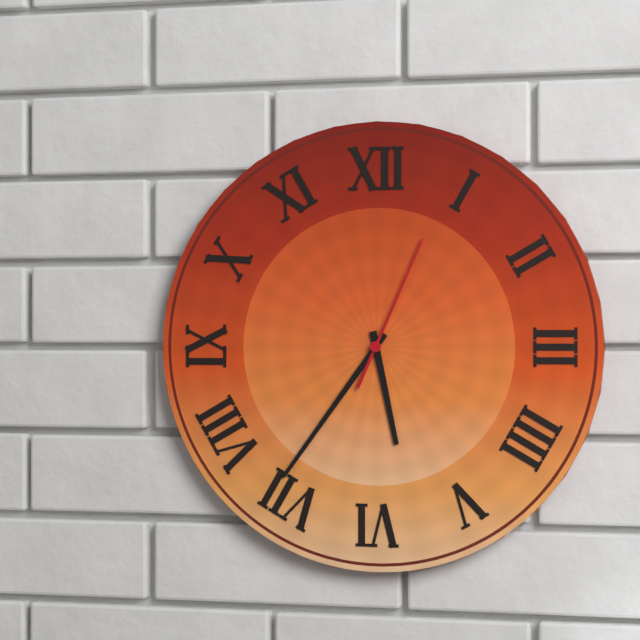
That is 5h36m04s
